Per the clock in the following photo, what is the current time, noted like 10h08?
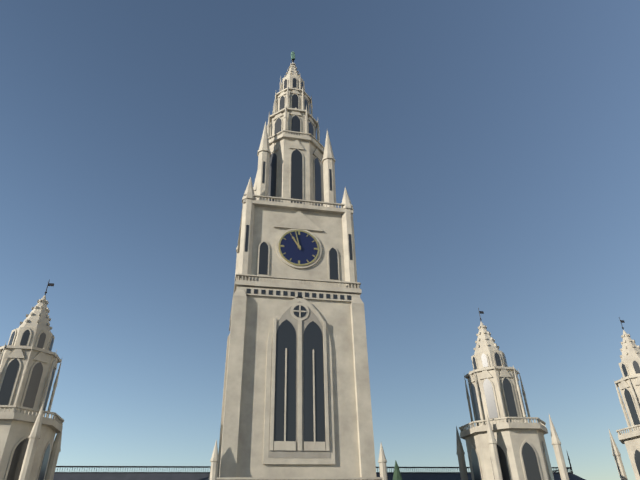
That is 10h58
